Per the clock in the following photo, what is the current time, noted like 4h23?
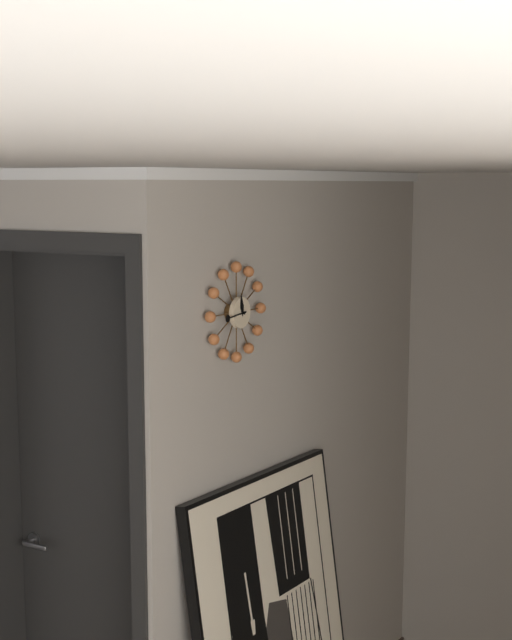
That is 11h44
